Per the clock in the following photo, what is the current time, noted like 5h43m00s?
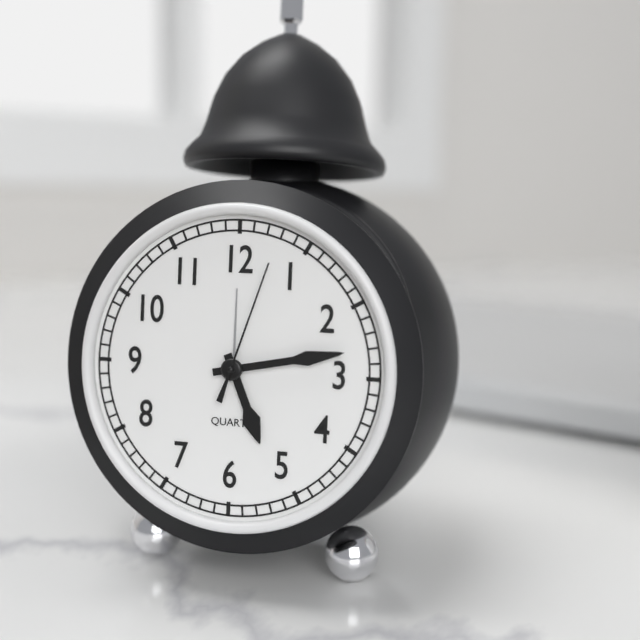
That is 5h13m03s
